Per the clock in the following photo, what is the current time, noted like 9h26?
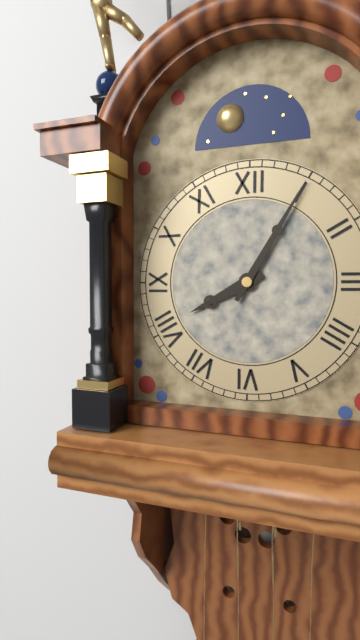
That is 8h05
